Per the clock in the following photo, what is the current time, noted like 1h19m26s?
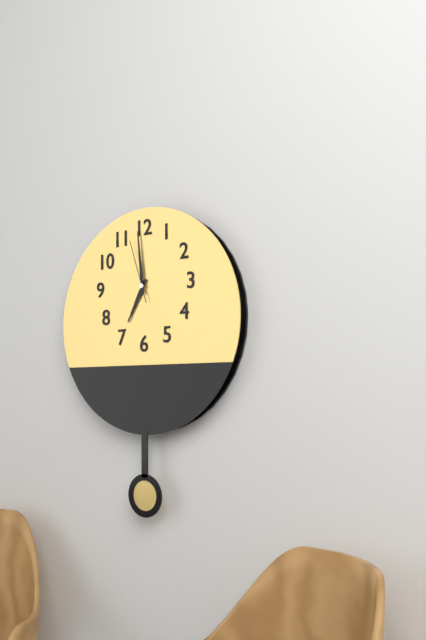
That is 6h59m57s
